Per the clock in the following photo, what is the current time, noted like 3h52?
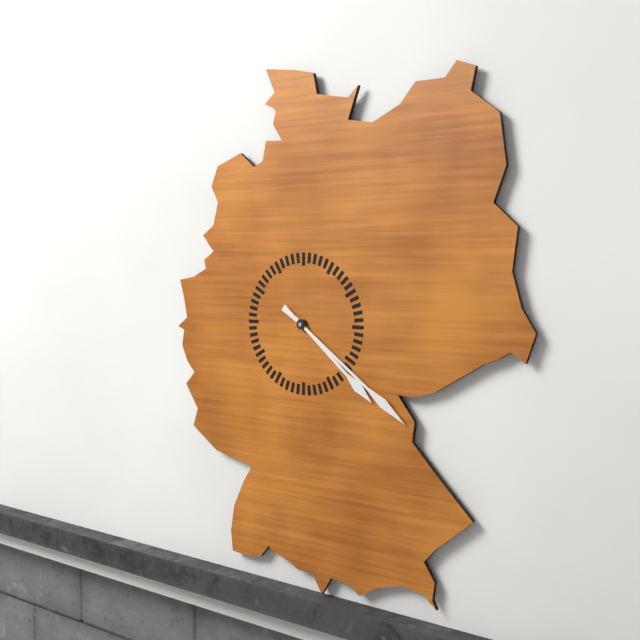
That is 4h21
